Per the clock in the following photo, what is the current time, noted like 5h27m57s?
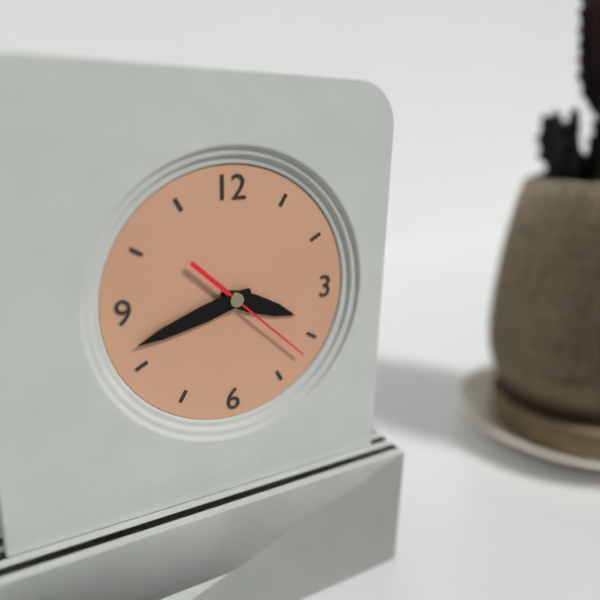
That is 3h42m22s
